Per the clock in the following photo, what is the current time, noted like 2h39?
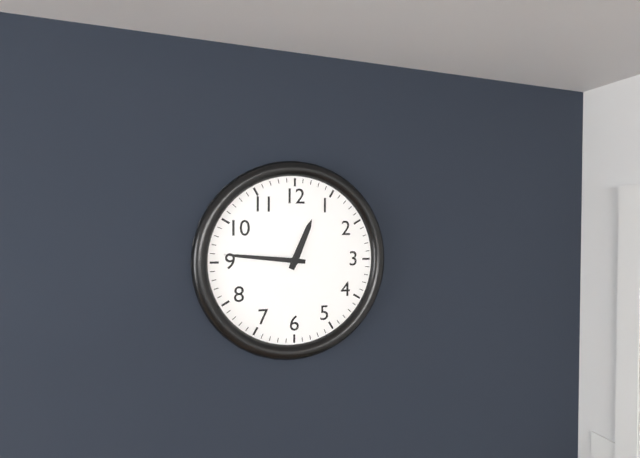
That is 12h46
